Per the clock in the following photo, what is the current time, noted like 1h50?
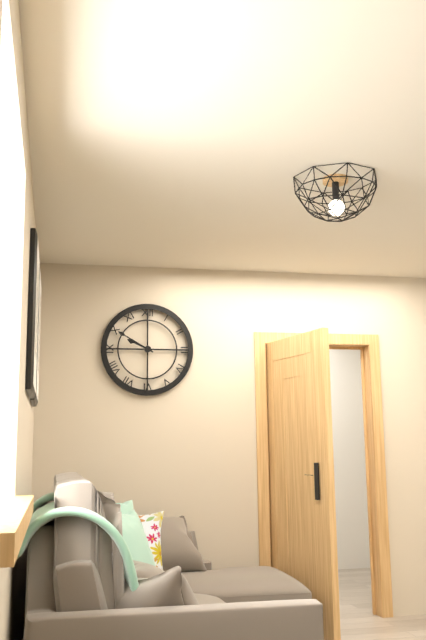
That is 9h50
